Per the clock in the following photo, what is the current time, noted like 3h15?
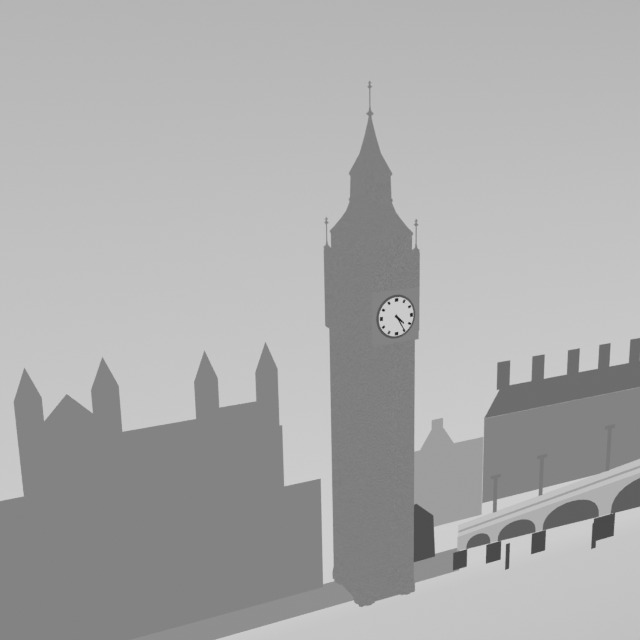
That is 4h25
